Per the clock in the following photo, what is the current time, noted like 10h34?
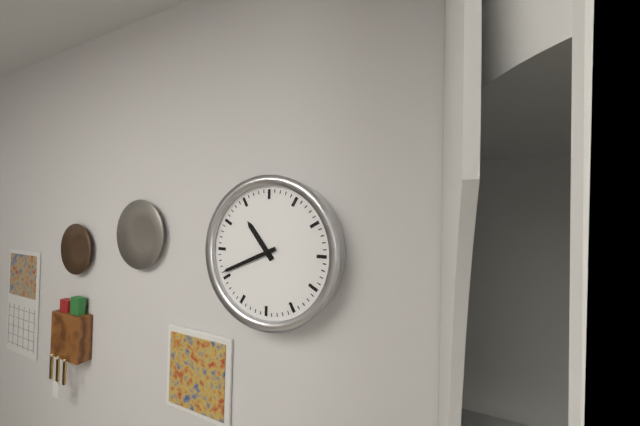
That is 10h41
